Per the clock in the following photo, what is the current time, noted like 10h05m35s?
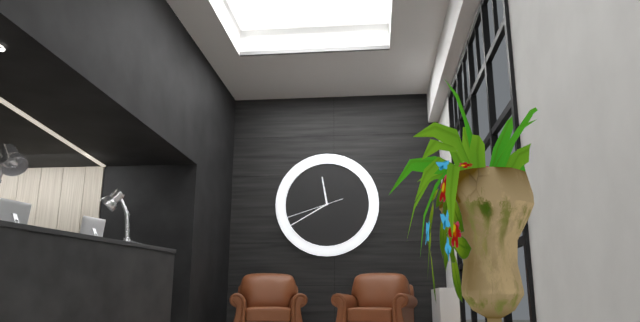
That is 11h40m42s
